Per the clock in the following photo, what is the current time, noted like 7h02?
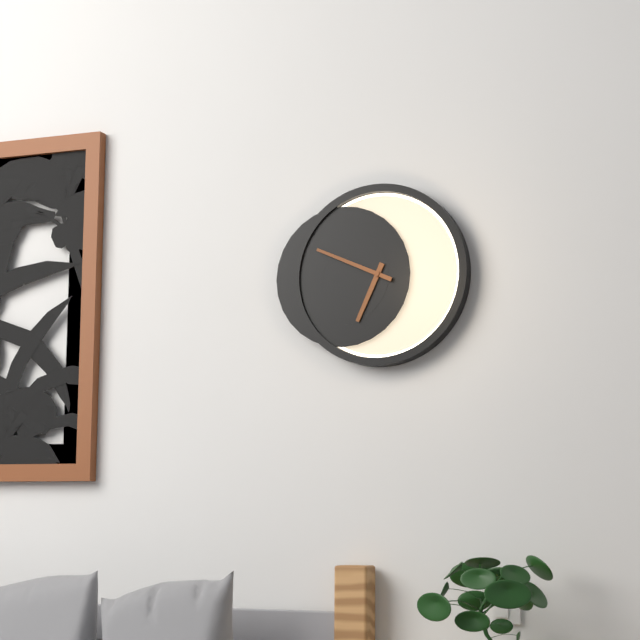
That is 6h49
